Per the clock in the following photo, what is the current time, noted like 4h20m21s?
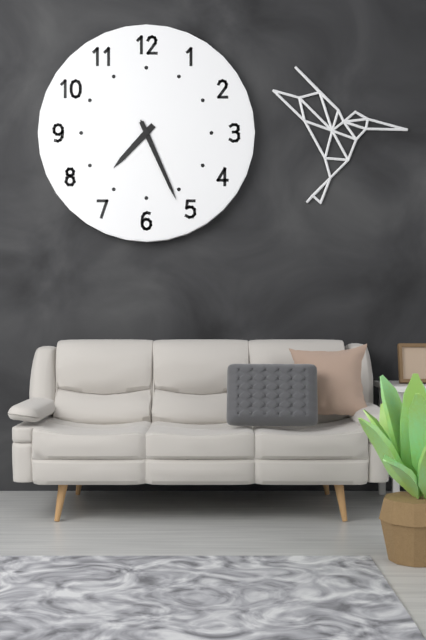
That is 7h26m26s
